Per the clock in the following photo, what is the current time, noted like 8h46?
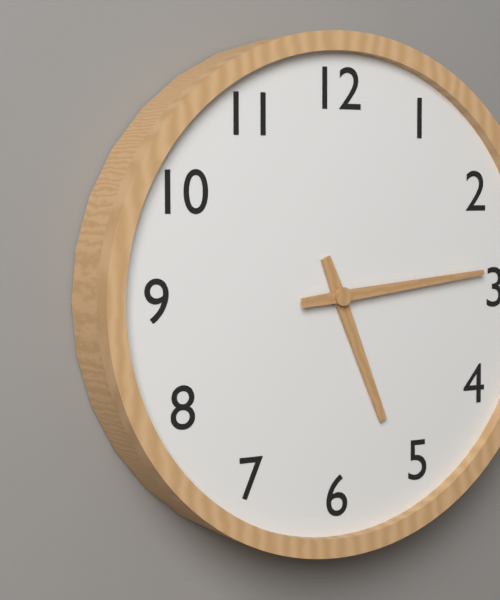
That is 5h14
